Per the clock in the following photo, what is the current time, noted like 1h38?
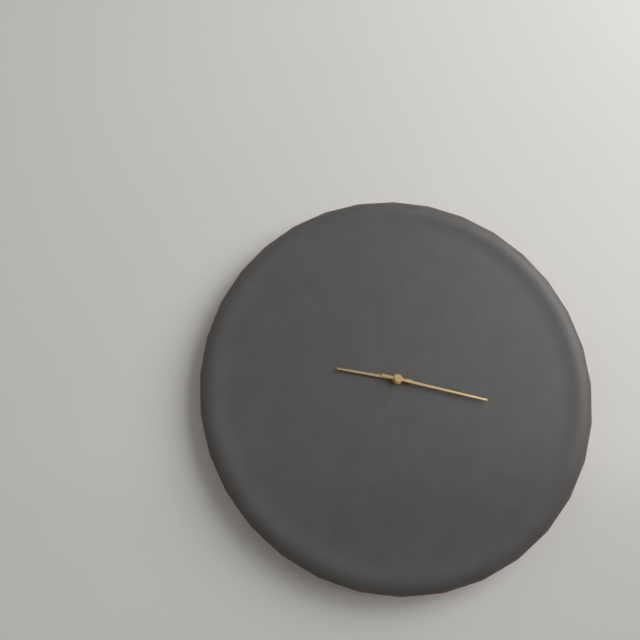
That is 9h17
